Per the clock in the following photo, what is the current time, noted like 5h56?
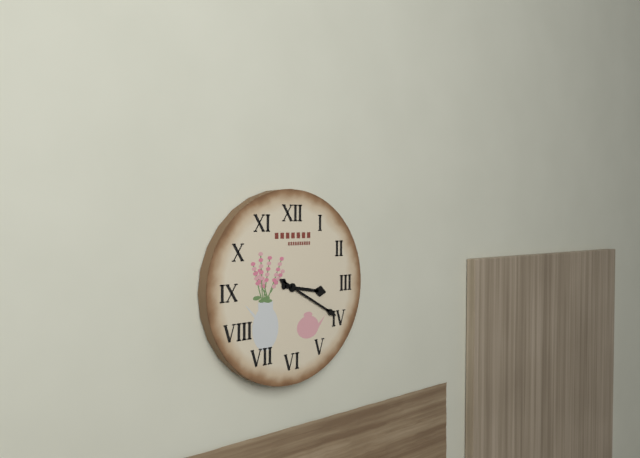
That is 3h20
